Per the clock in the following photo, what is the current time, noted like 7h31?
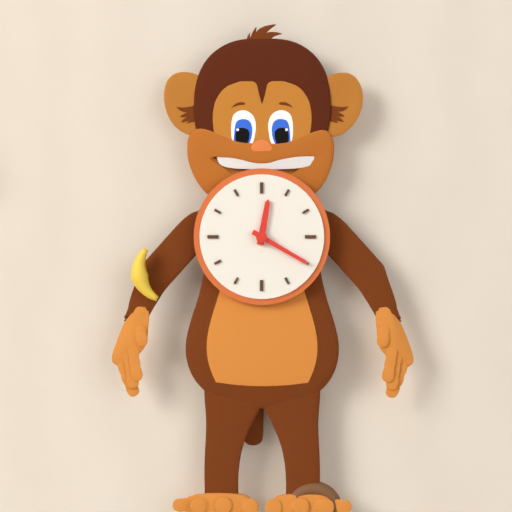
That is 12h20
